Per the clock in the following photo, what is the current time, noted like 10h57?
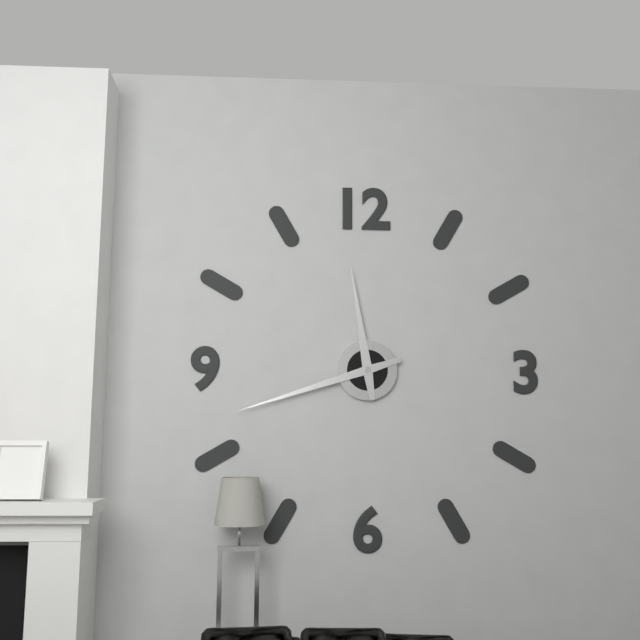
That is 11h42
